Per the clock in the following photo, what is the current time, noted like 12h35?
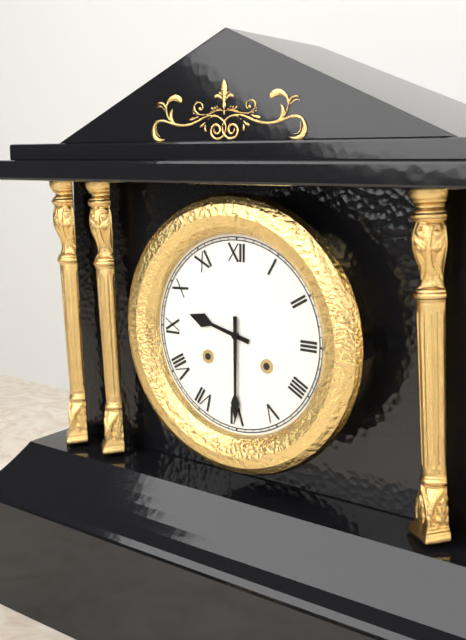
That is 9h30
